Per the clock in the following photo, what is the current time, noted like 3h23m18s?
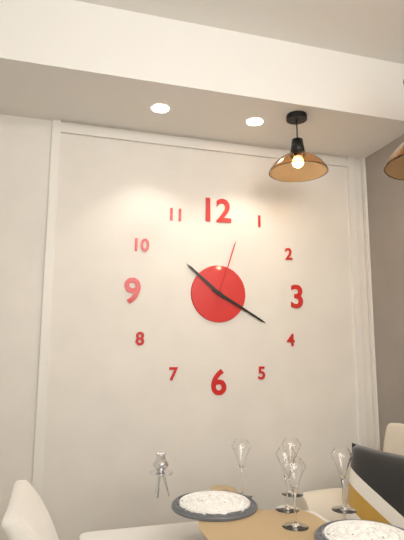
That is 10h20m03s
